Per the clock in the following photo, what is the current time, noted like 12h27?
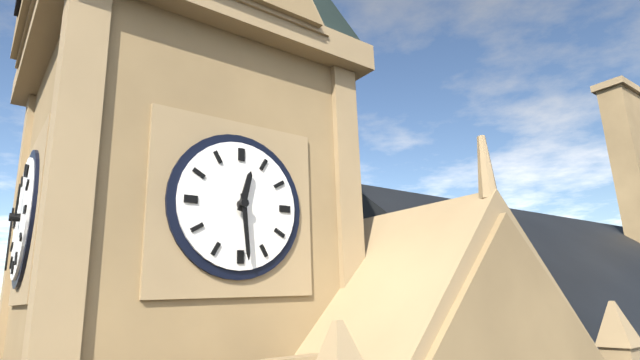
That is 12h29
